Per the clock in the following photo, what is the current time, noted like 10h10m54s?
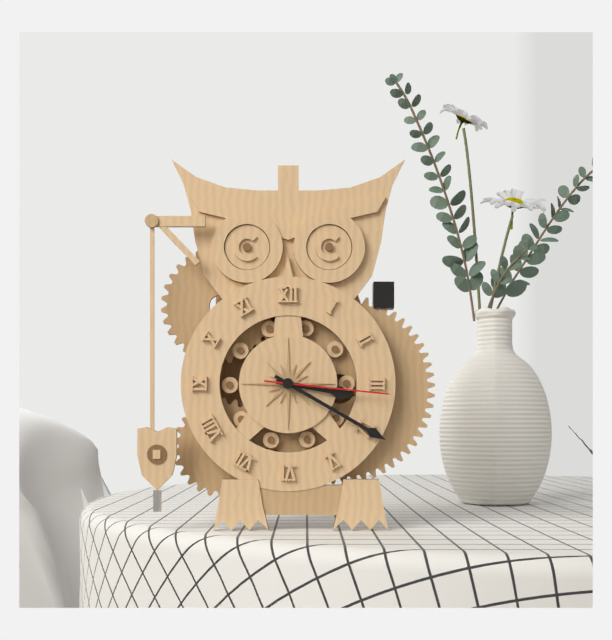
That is 3h20m16s
